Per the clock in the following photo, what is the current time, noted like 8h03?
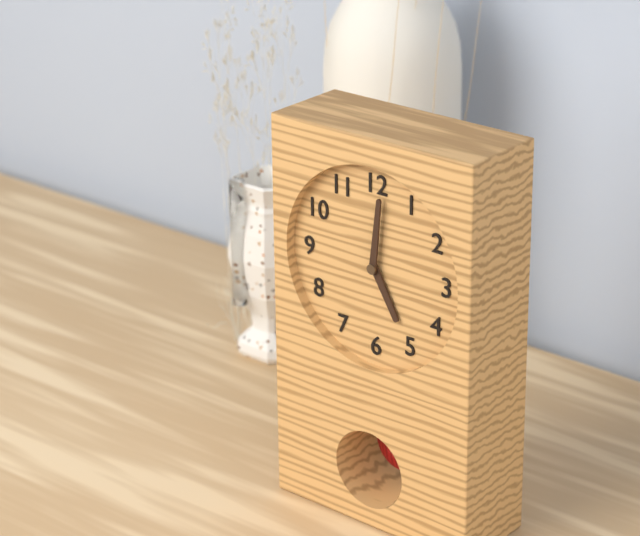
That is 5h01
